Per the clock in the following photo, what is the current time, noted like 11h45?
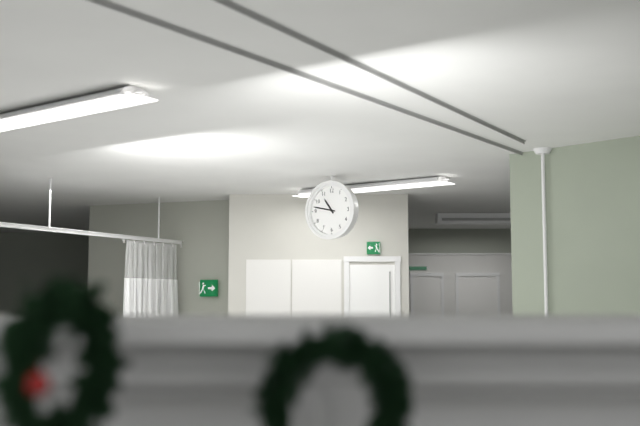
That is 10h47
